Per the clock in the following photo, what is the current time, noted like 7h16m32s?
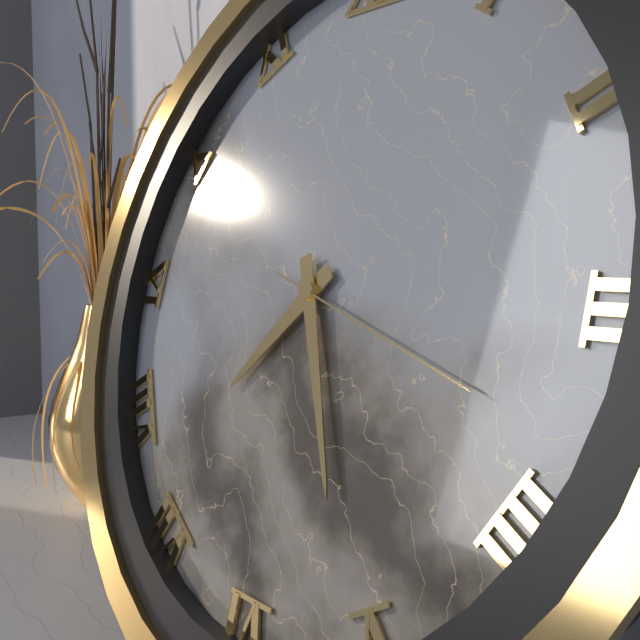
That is 7h26m18s
